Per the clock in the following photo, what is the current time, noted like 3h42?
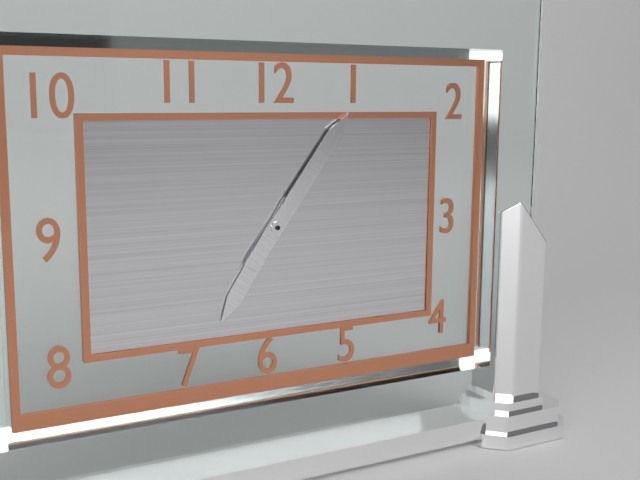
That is 7h06
